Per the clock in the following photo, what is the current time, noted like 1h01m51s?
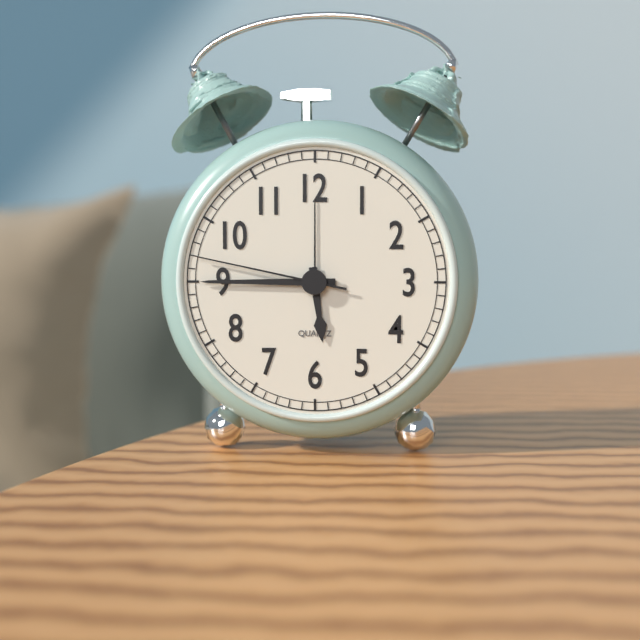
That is 5h45m47s
